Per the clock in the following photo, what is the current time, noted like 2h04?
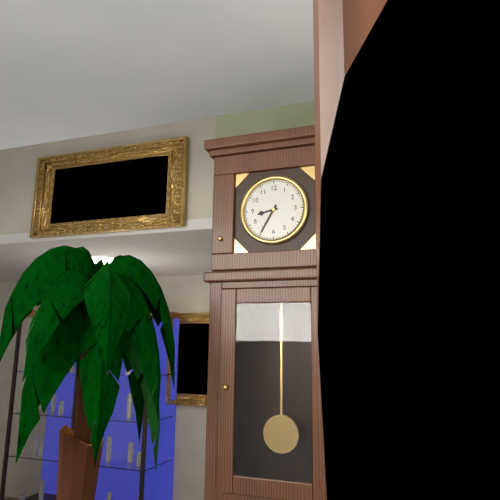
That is 8h35
